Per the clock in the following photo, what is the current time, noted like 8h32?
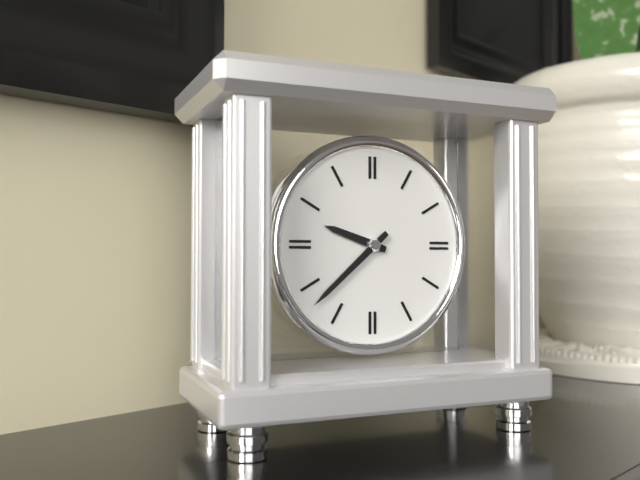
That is 9h38
